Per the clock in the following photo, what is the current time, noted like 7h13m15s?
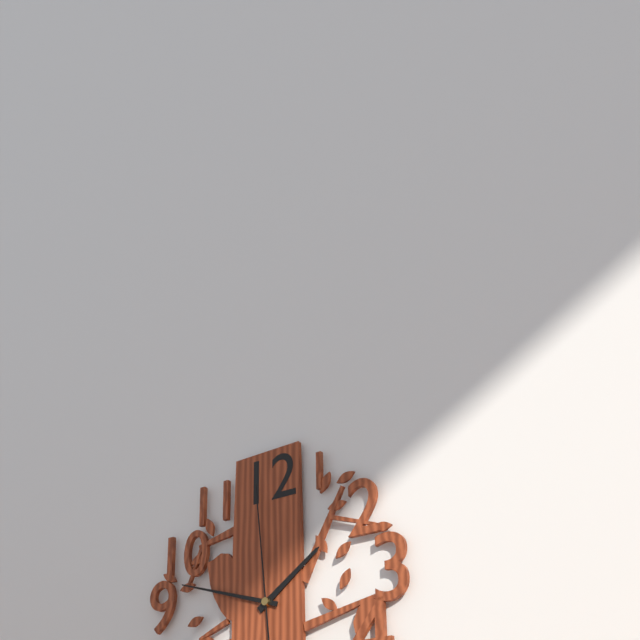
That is 1h48m59s
